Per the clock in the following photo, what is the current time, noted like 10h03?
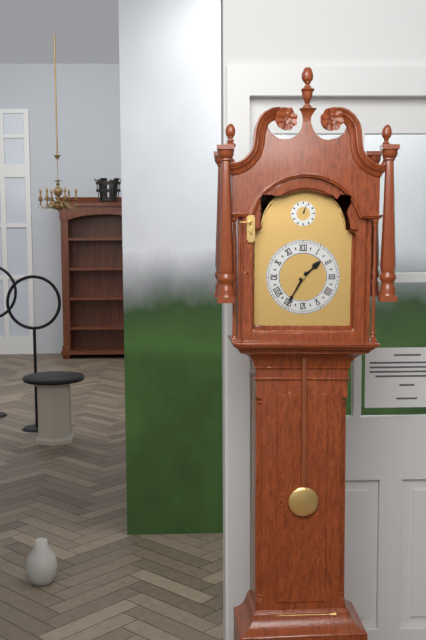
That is 1h35
